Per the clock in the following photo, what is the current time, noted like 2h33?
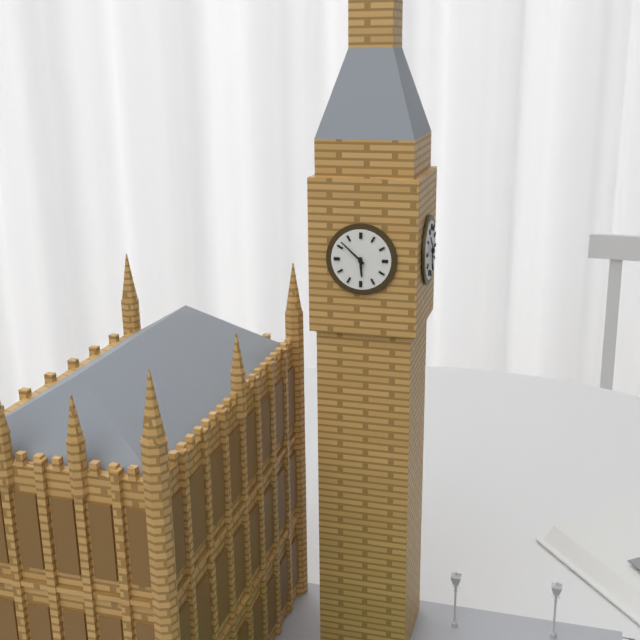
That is 5h52
